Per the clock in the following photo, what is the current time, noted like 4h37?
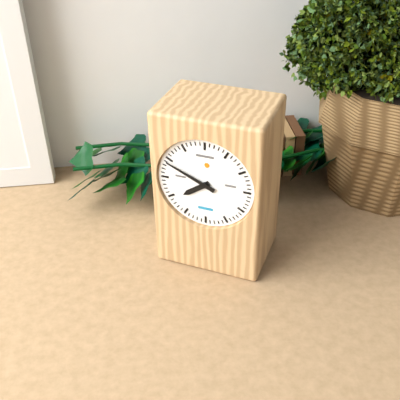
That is 7h49
